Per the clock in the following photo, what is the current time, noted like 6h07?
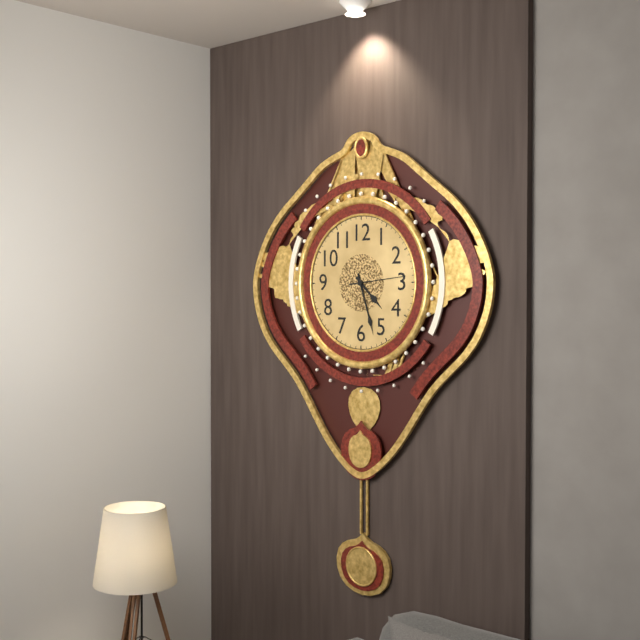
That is 4h27
